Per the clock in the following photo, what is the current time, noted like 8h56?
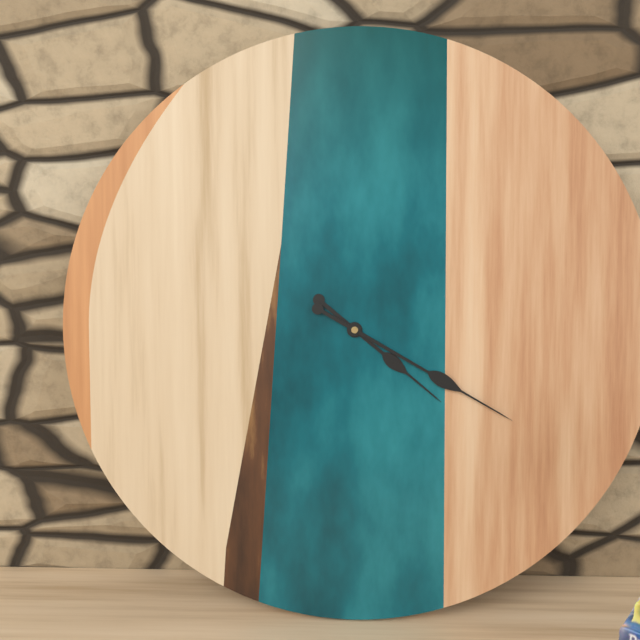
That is 4h20
